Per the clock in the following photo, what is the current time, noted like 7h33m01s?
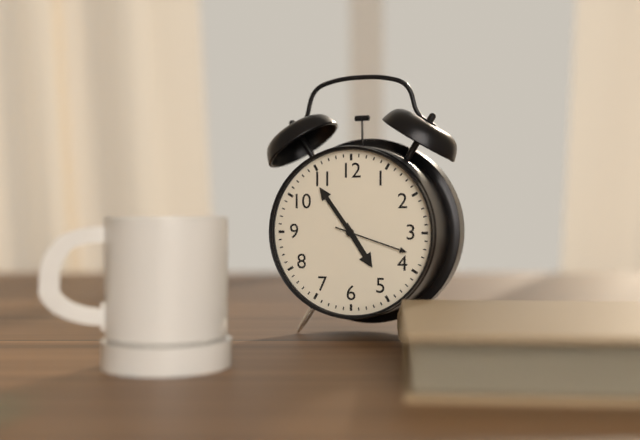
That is 4h54m18s
